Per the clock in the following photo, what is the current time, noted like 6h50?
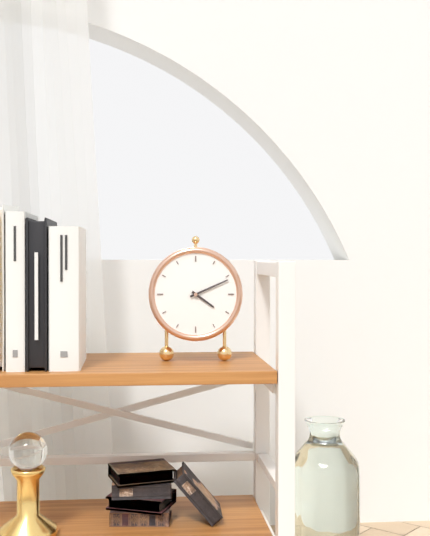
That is 4h11
